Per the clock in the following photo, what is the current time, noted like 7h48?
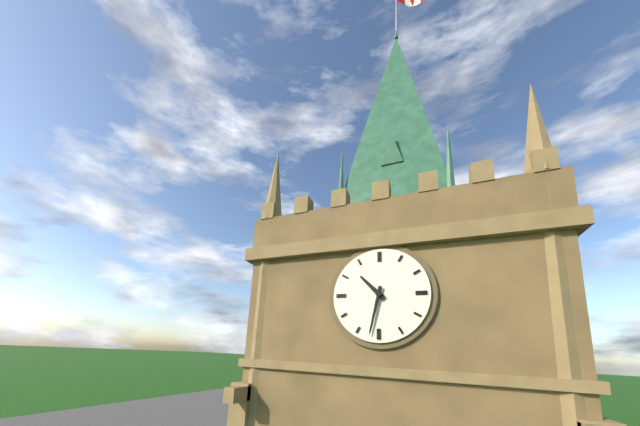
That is 10h32
